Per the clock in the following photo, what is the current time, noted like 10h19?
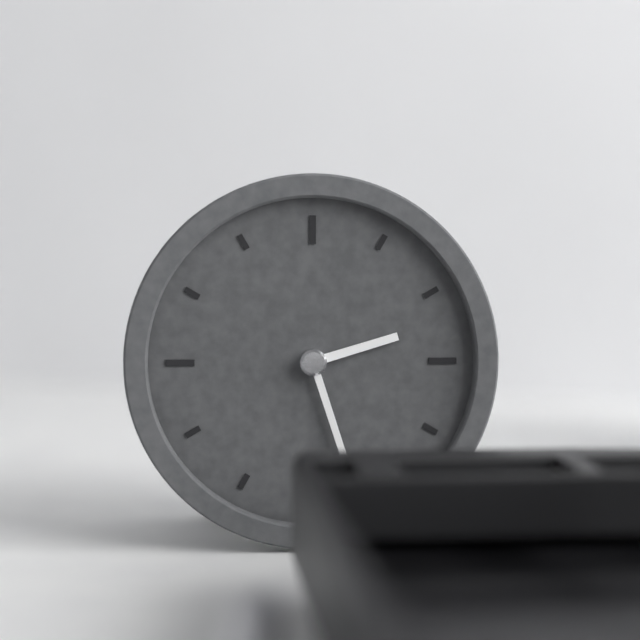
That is 2h27
